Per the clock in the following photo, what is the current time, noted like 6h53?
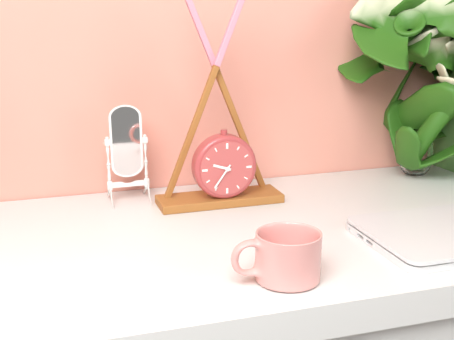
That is 9h36
